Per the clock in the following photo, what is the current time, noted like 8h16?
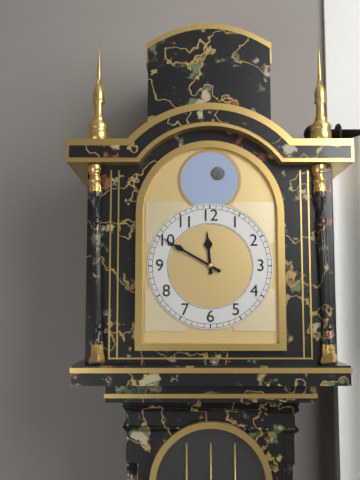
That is 11h50
